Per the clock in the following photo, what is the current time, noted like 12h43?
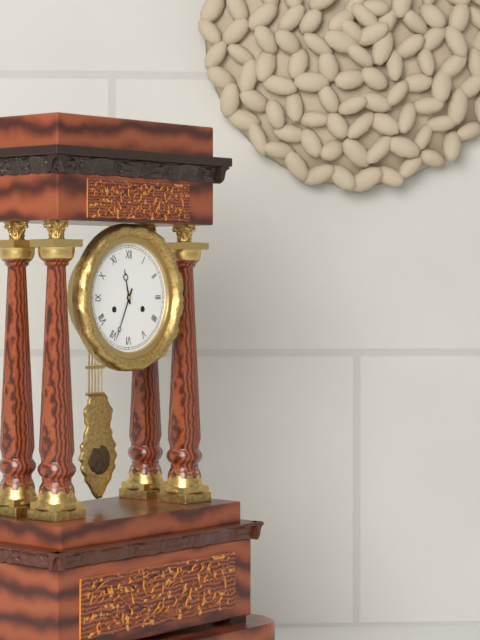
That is 11h34
